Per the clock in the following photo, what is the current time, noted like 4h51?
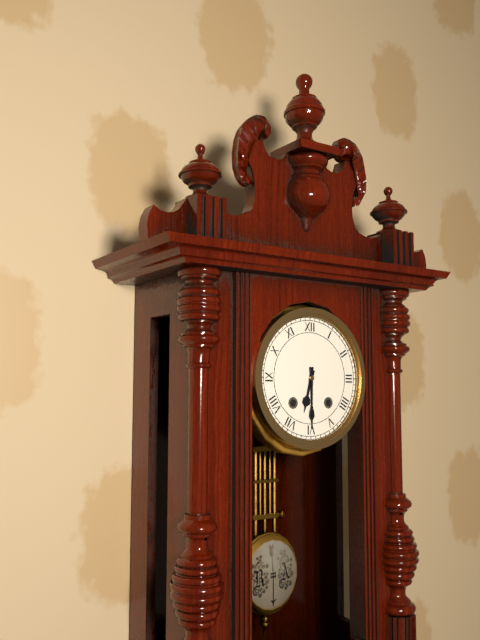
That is 6h30
